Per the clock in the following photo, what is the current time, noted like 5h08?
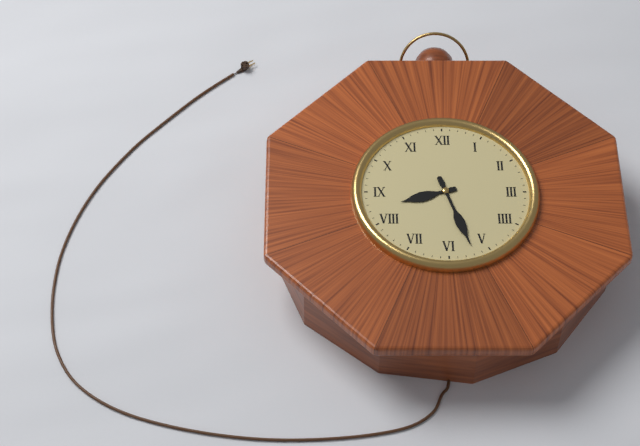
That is 8h27
